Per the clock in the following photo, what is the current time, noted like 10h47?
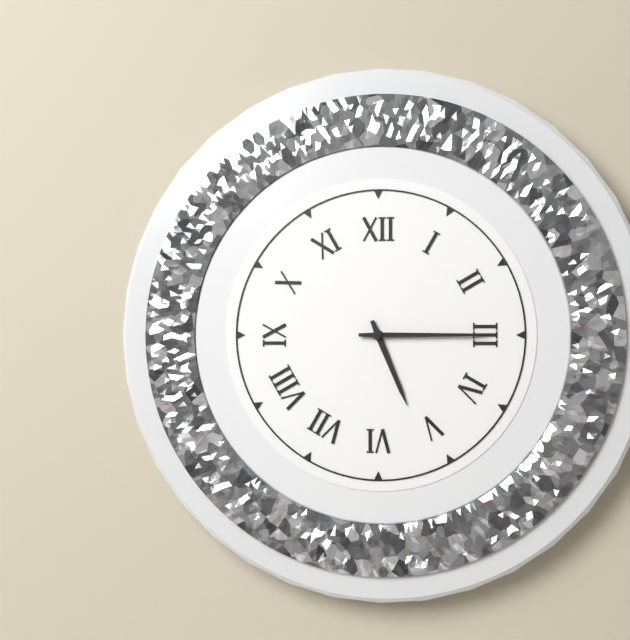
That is 5h15
